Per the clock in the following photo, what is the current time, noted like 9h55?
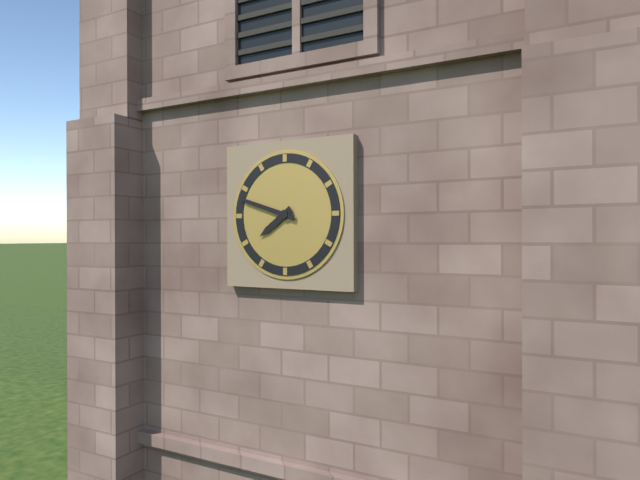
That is 7h48
